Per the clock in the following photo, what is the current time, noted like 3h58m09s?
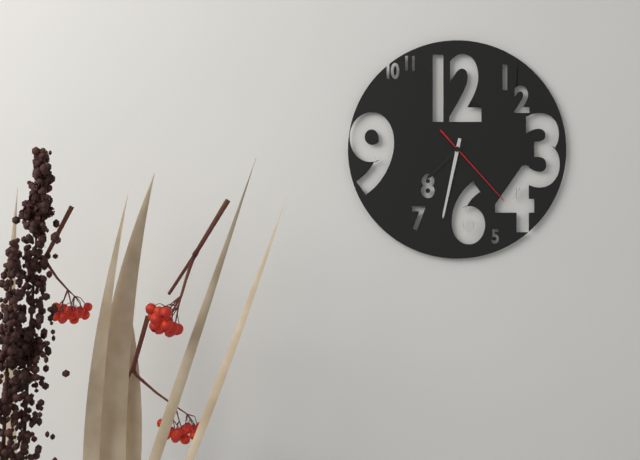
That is 7h32m23s
